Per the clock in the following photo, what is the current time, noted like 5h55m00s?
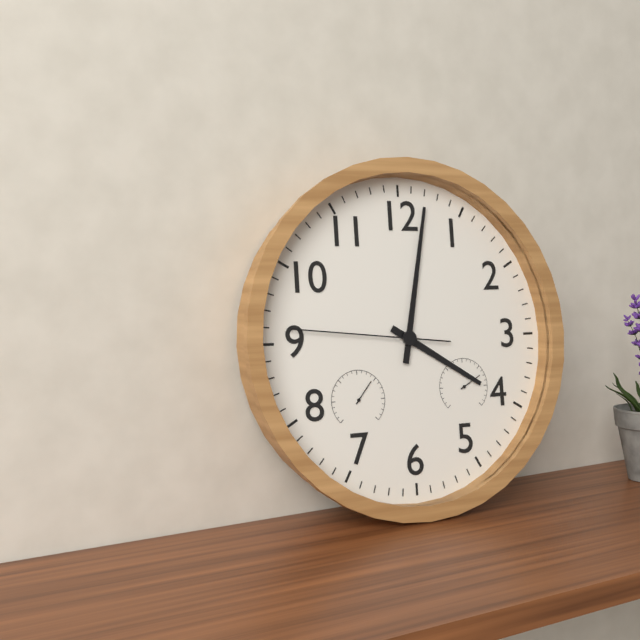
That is 4h02m46s
